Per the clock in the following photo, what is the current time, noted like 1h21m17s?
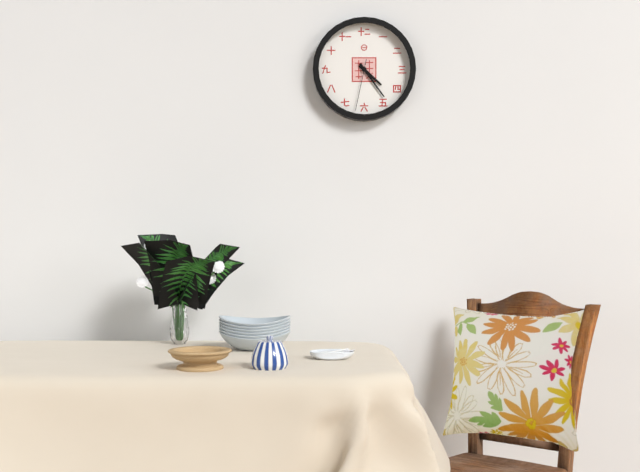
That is 4h24m32s
